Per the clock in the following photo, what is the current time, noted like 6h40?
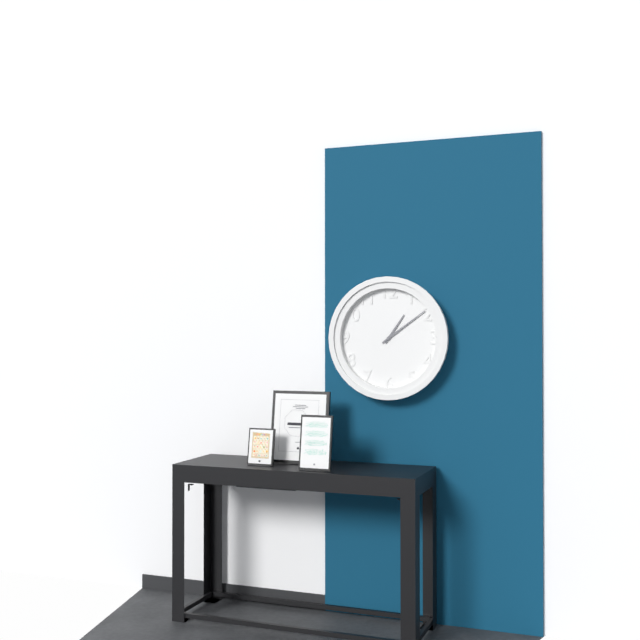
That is 1h09
